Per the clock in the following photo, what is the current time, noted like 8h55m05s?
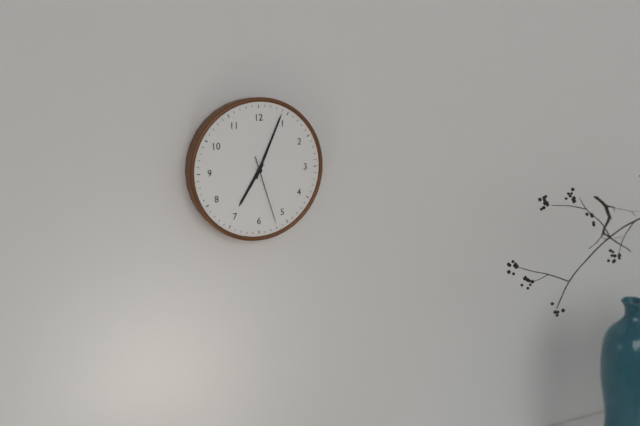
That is 7h04m27s
